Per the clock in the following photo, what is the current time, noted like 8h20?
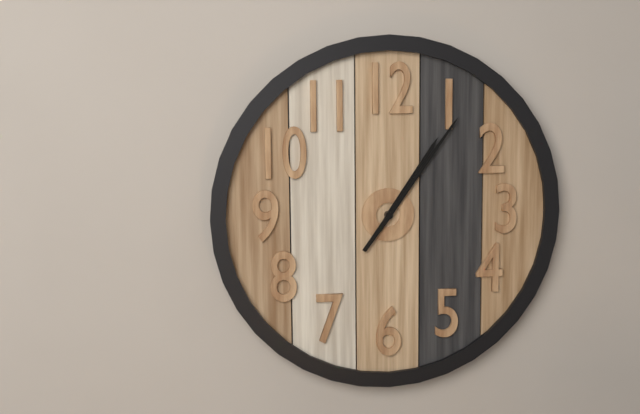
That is 1h06
